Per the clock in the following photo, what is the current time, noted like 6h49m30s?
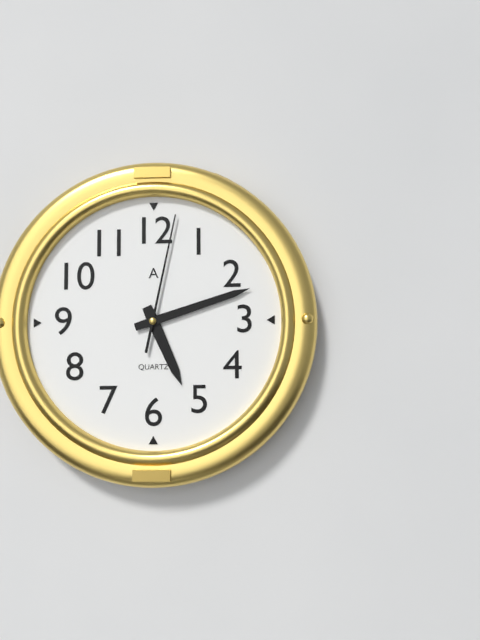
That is 5h12m02s
